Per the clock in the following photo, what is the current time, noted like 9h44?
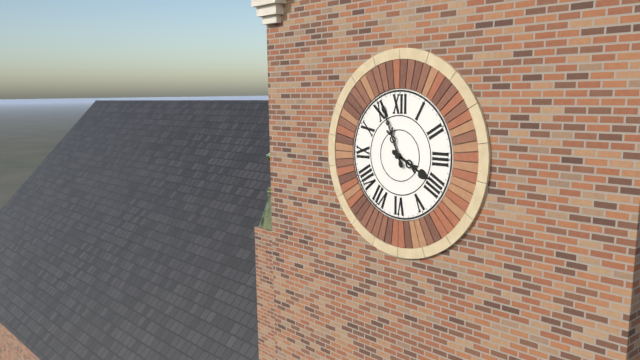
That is 3h56
